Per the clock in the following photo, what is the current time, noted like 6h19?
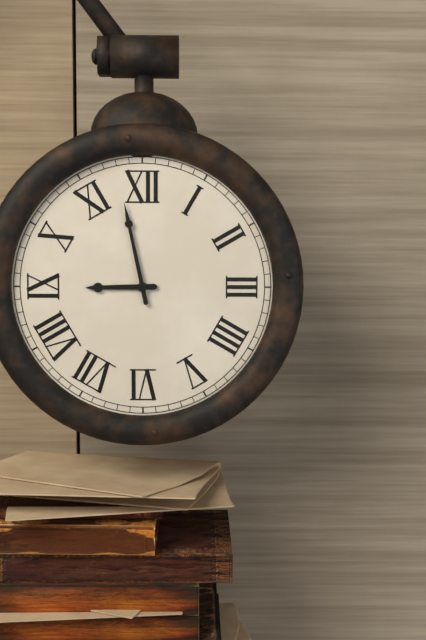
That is 8h58
